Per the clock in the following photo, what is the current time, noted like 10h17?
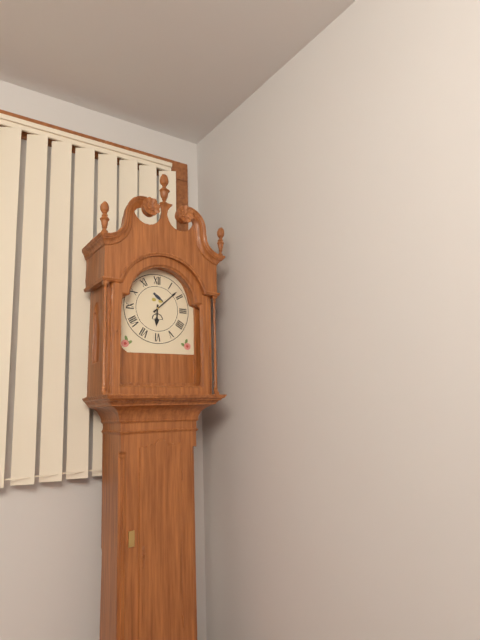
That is 6h08
